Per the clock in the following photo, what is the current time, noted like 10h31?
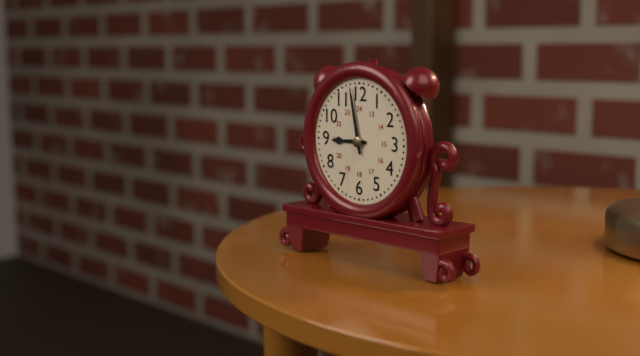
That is 8h58
